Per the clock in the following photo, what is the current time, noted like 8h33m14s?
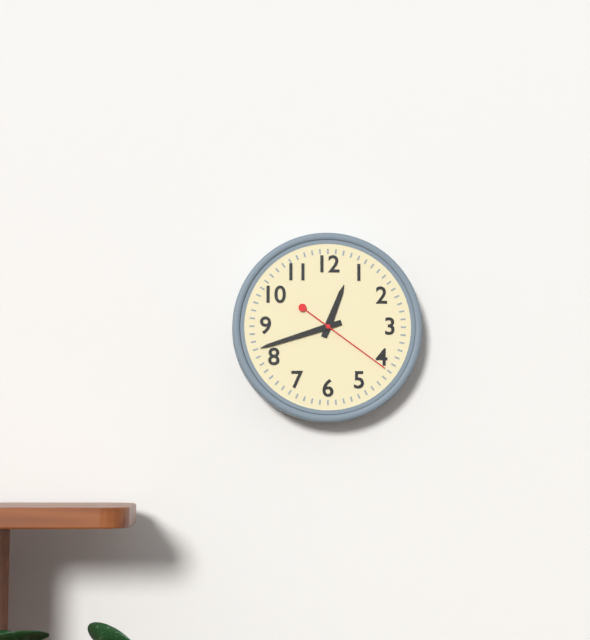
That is 12h42m21s
